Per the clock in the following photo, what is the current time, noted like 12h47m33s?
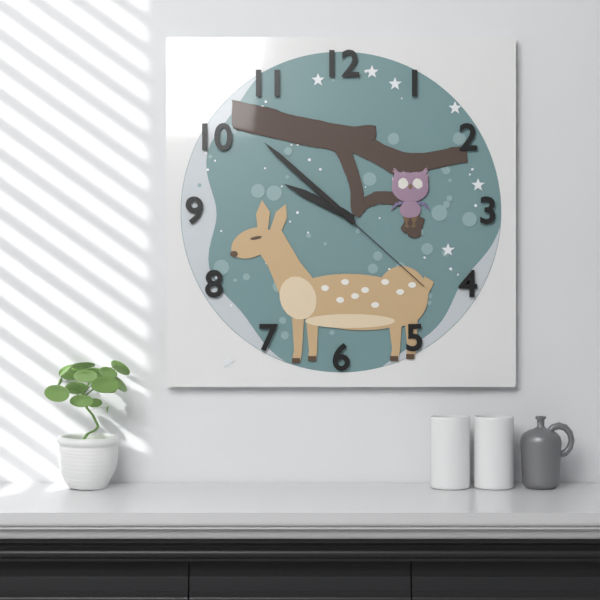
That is 9h52m22s
